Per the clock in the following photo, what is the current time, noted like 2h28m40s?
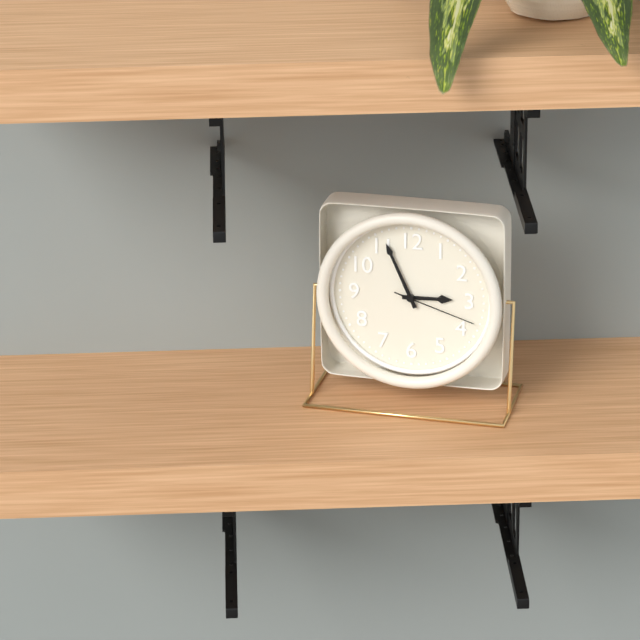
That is 2h56m18s
